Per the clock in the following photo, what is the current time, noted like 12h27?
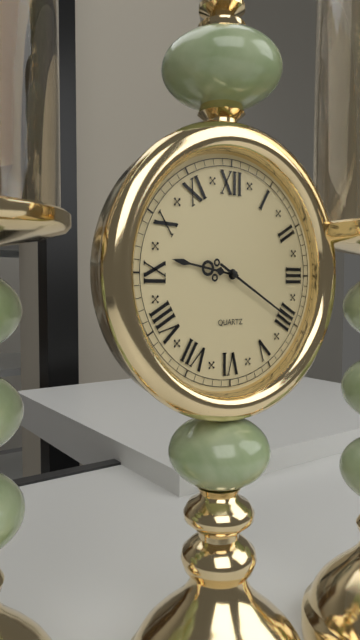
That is 9h20
